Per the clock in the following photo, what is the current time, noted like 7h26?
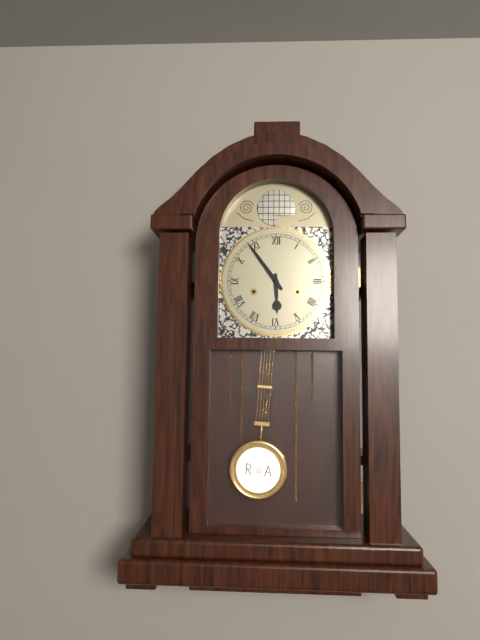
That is 5h54
